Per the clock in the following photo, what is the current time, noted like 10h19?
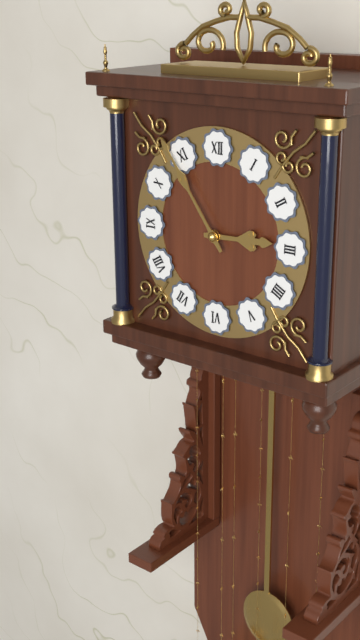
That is 2h54
